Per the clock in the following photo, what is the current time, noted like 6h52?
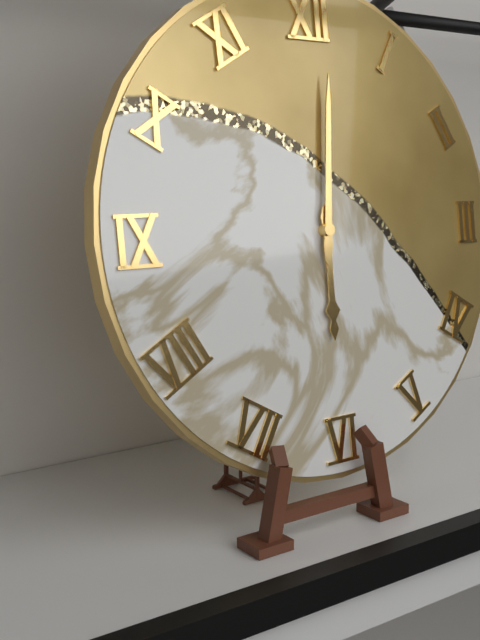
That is 6h01
